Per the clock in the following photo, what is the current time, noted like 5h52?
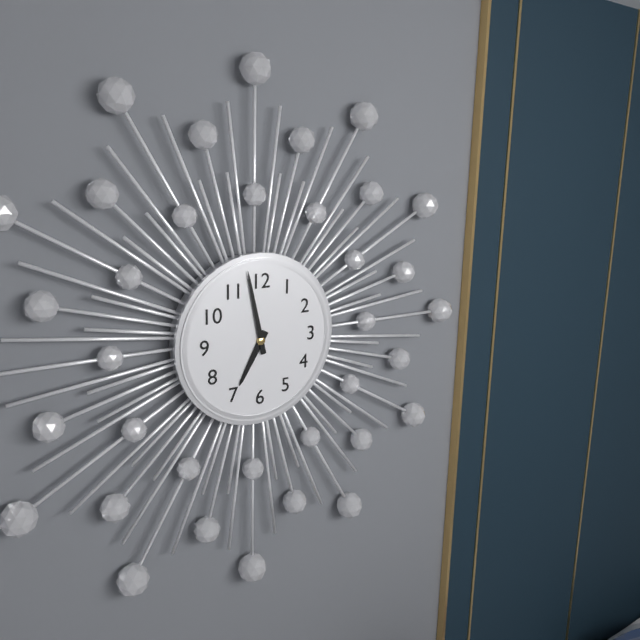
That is 6h58
